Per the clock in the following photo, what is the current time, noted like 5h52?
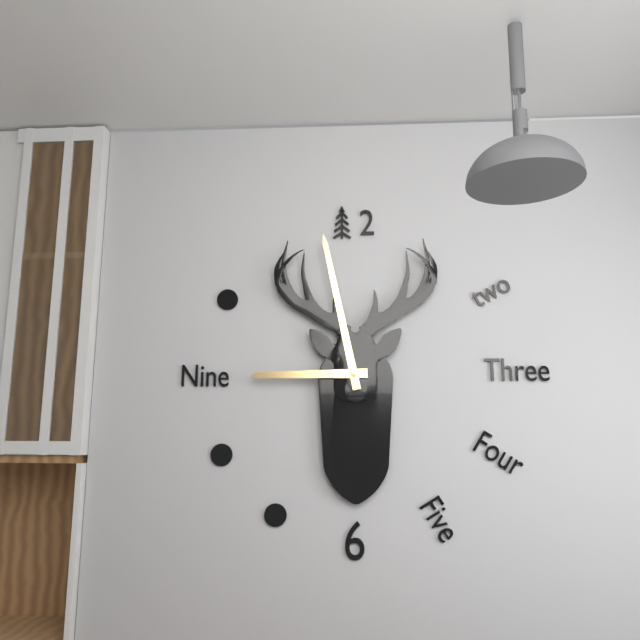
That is 8h58
